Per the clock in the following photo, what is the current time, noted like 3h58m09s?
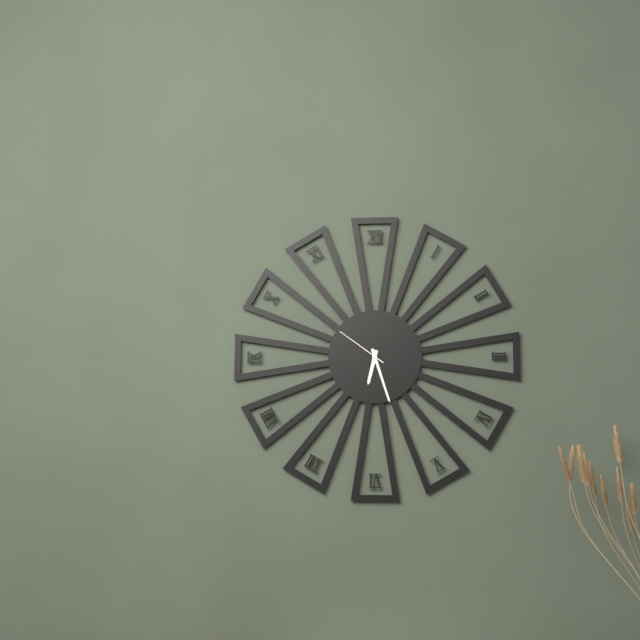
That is 6h27m51s
